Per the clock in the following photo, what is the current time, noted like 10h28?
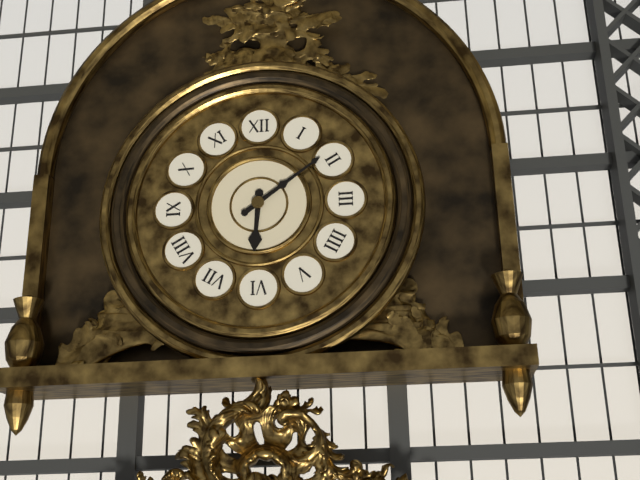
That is 6h09
